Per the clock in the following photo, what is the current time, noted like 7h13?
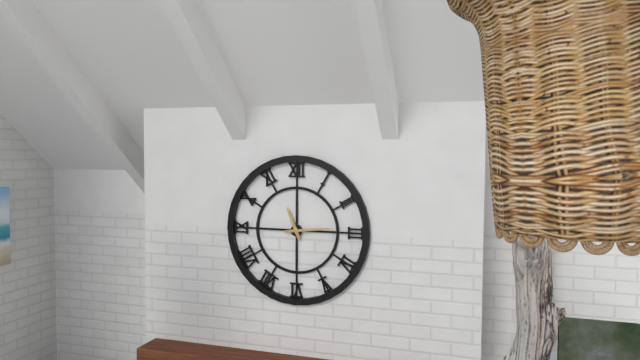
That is 11h14
